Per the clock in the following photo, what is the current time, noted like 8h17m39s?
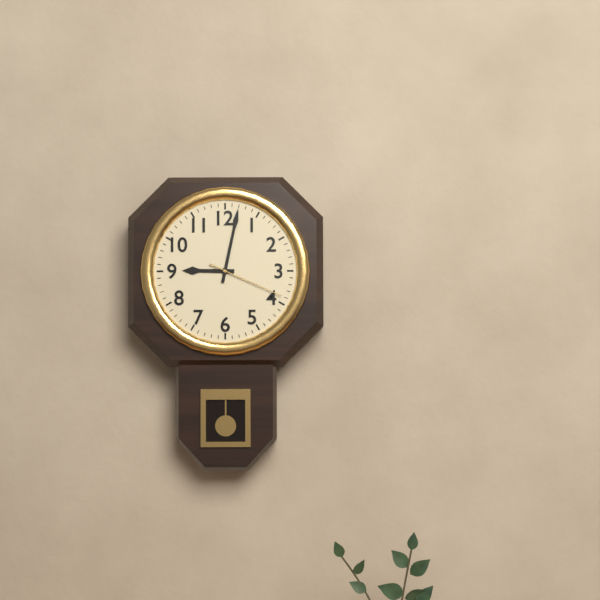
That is 9h02m19s
